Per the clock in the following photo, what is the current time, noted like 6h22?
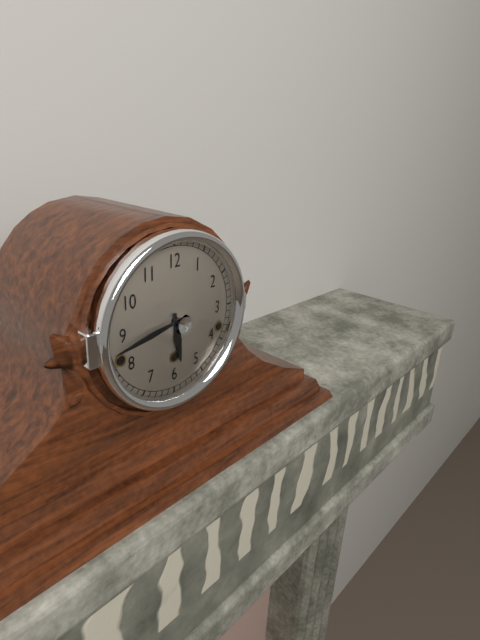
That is 5h43
